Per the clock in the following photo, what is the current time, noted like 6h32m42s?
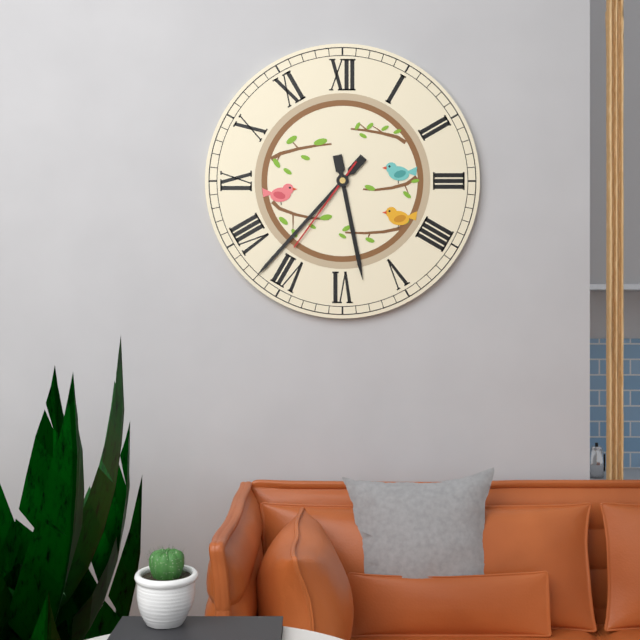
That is 5h37m36s
